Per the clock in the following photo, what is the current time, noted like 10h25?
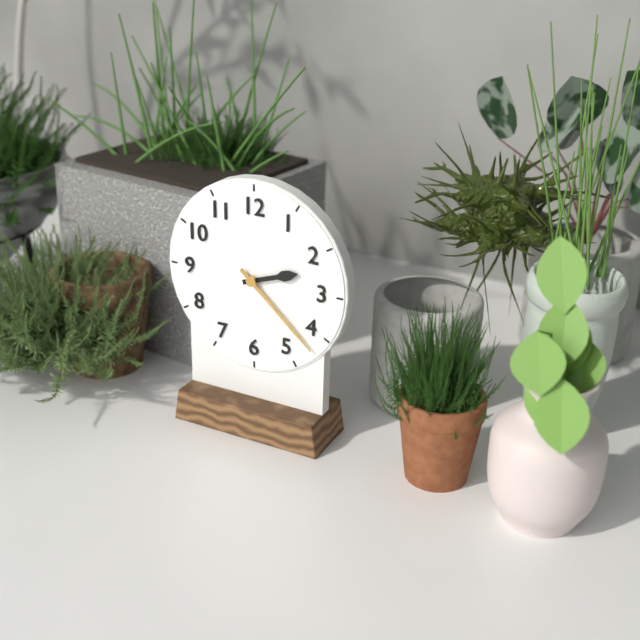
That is 2h22
